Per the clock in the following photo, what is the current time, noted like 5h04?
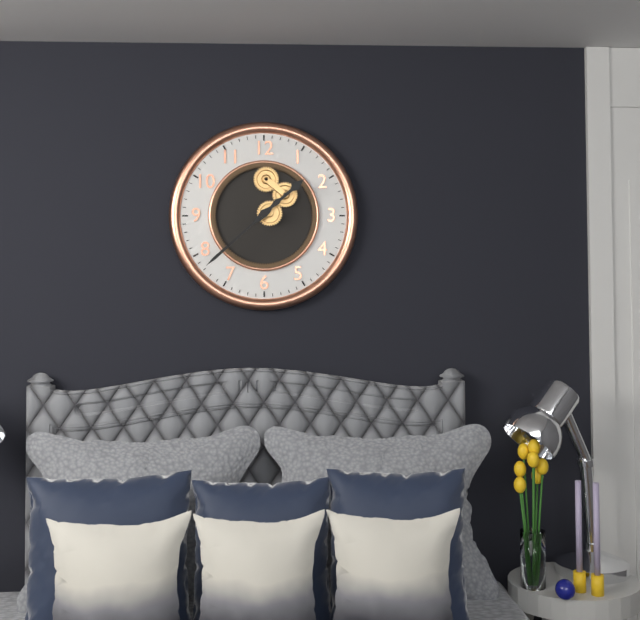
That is 1h38
